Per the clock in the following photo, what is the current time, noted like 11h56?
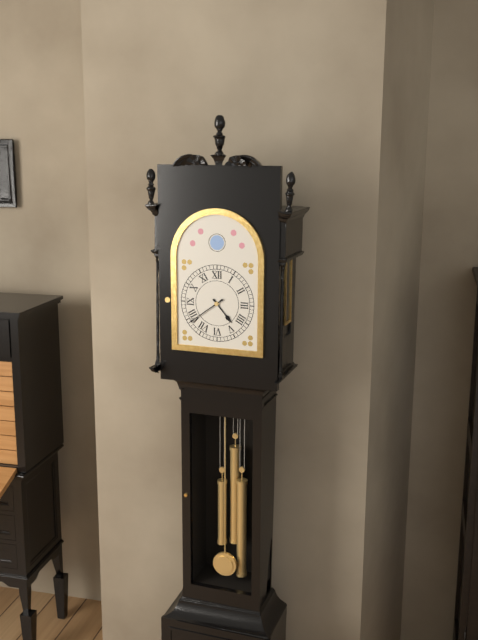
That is 4h39
